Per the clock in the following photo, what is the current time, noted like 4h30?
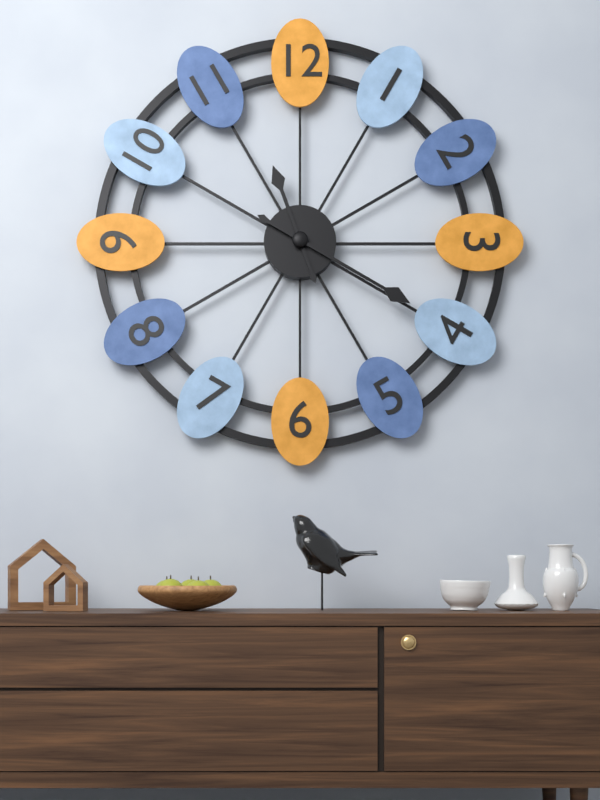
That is 11h20
